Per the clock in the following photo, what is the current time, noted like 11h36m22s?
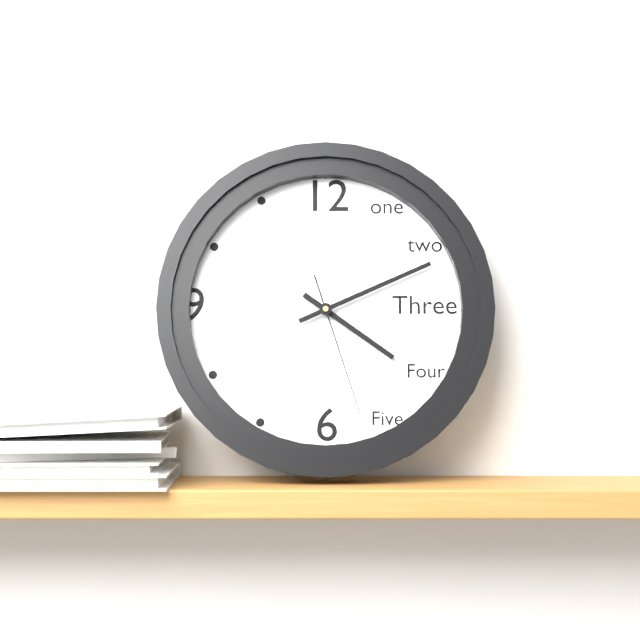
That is 4h11m27s
